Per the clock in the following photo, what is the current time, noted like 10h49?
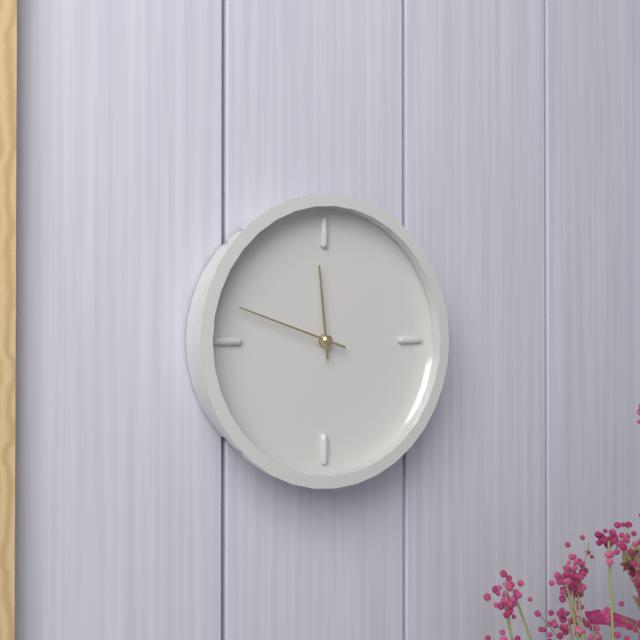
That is 11h48
